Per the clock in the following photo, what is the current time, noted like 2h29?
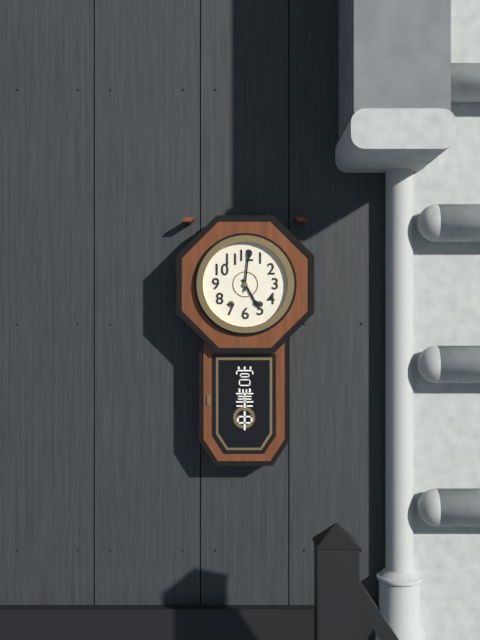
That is 5h01
